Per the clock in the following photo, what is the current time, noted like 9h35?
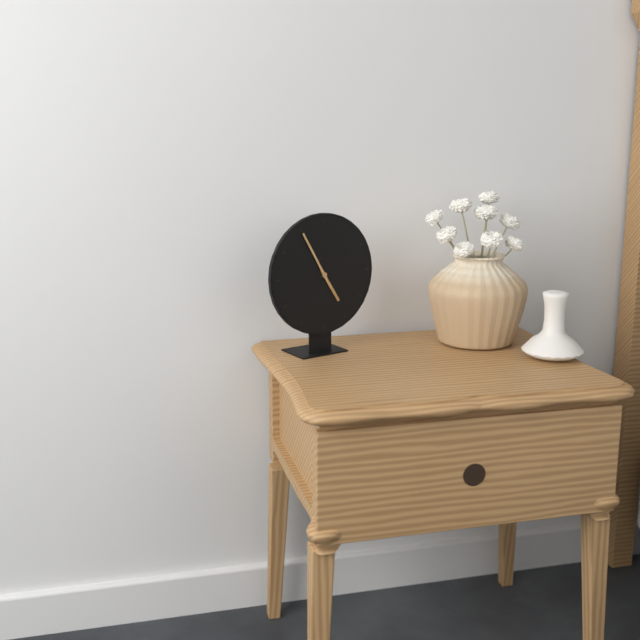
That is 4h55
